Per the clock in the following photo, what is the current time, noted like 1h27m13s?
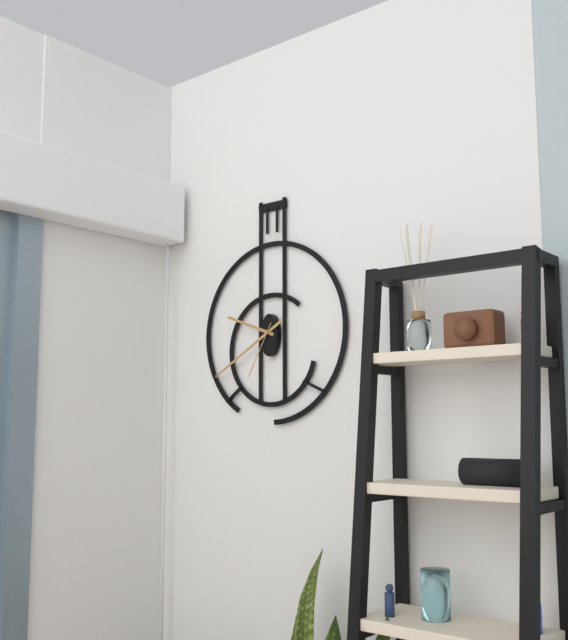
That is 9h40m35s
